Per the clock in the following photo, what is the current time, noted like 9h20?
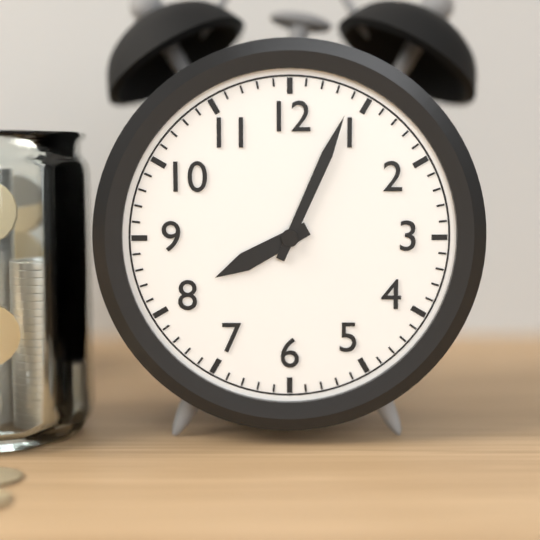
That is 8h04
